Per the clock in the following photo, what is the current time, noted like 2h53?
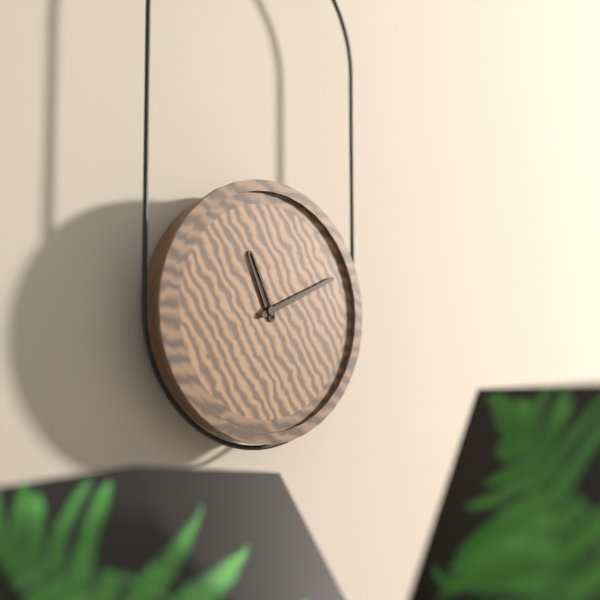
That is 11h11
